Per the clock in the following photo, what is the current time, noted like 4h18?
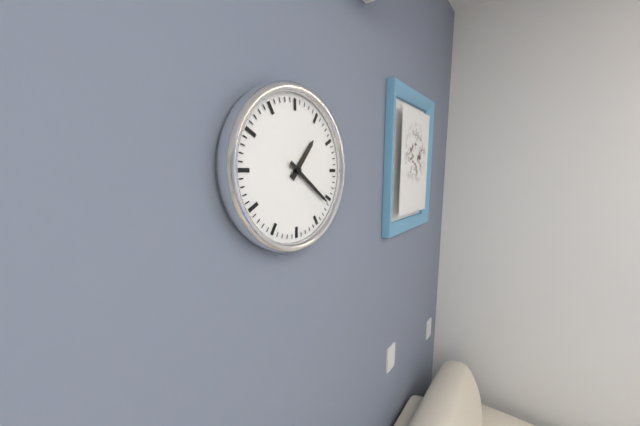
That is 1h21
